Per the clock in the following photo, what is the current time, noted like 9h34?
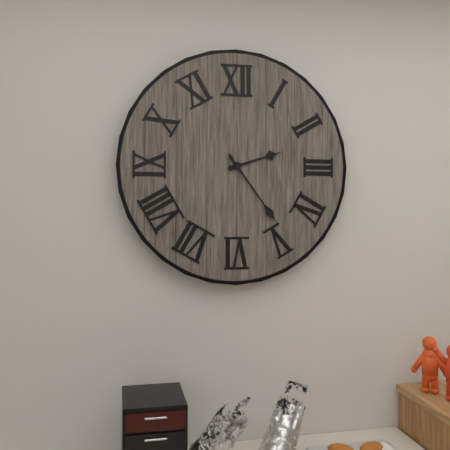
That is 2h24
